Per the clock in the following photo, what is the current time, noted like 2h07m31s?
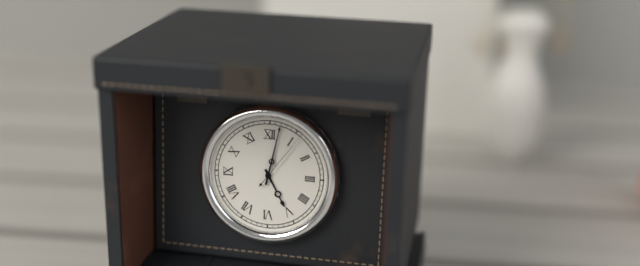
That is 5h02m06s
